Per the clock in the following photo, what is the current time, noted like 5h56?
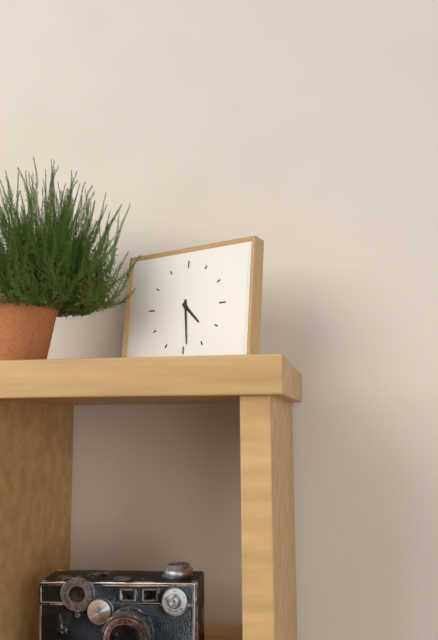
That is 4h29
